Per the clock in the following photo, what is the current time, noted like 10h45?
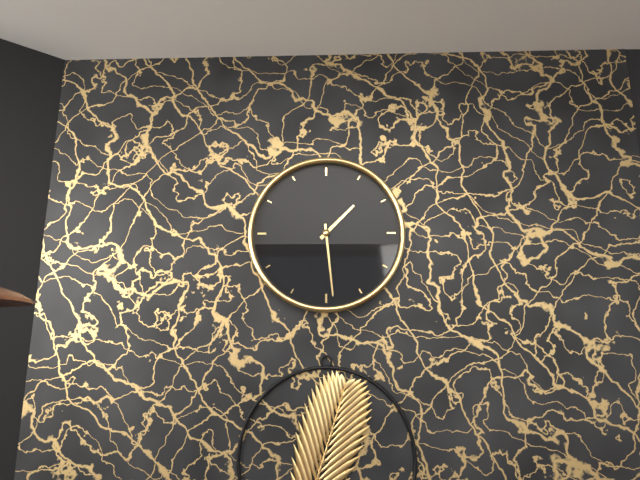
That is 1h29
